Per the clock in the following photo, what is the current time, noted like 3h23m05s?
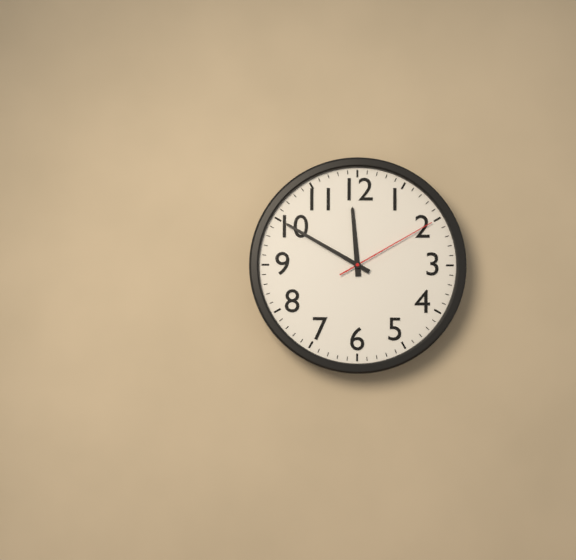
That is 11h50m10s
